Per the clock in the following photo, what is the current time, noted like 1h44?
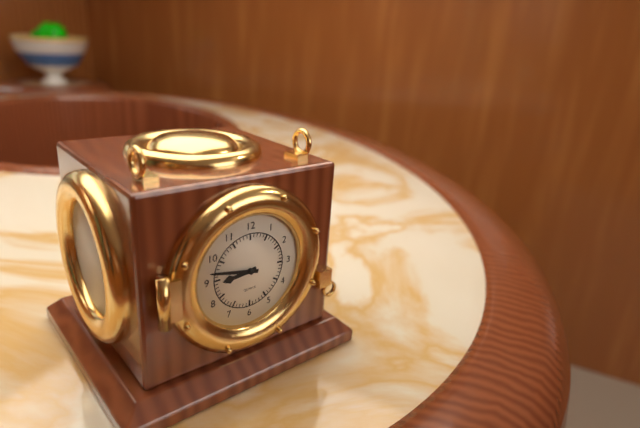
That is 8h47
